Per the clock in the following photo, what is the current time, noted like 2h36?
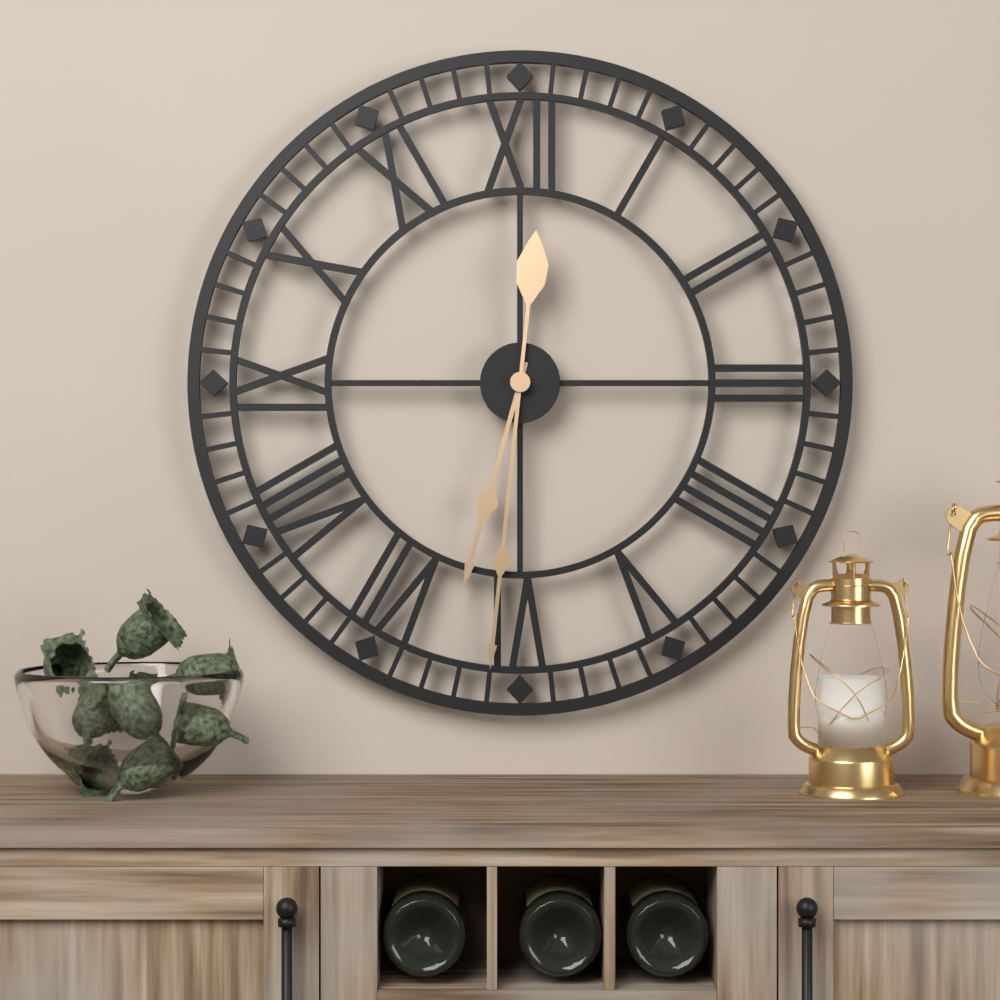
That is 6h31
